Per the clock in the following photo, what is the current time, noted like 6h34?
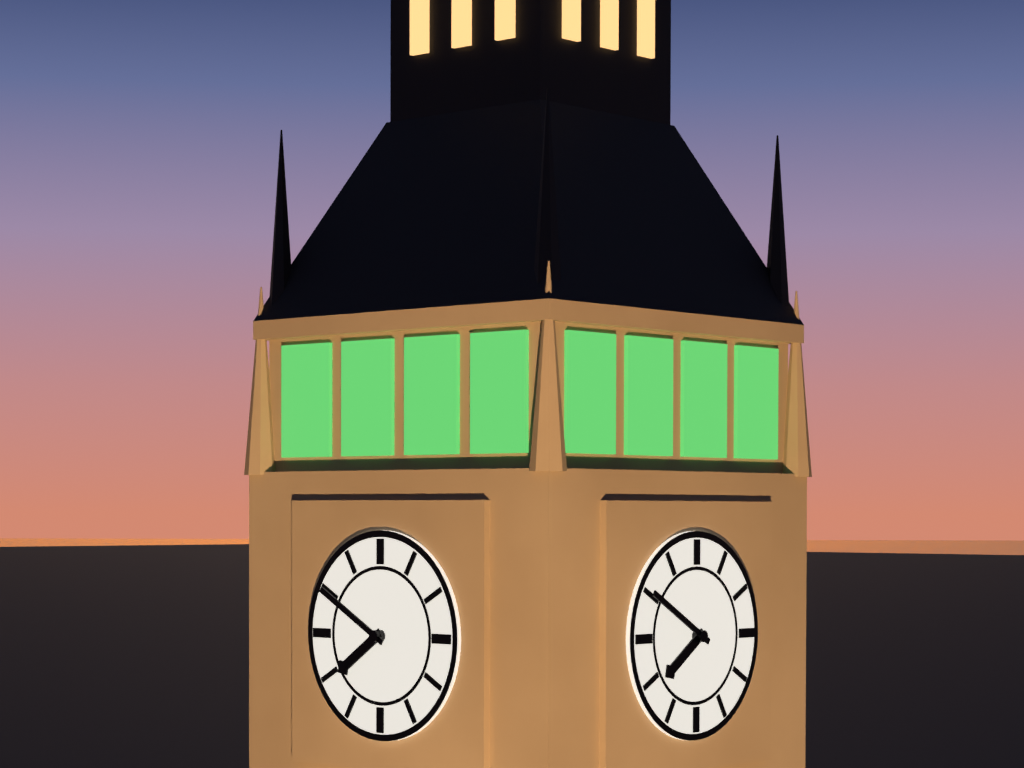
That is 7h50
